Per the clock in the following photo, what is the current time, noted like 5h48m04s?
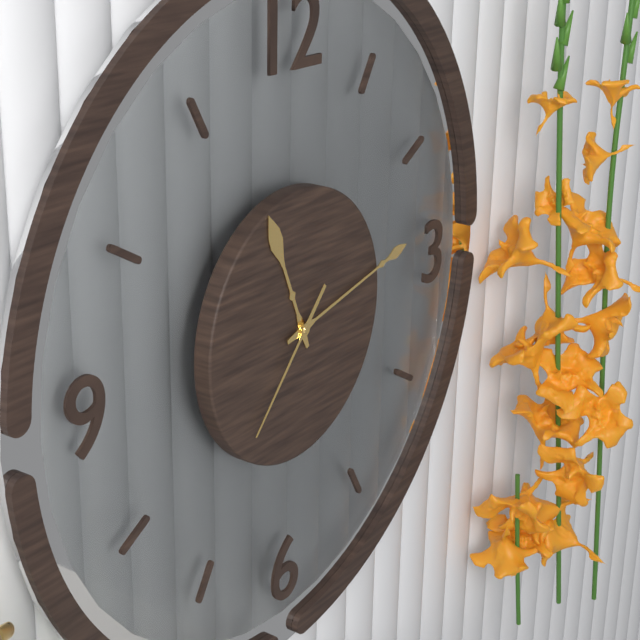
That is 11h13m37s
